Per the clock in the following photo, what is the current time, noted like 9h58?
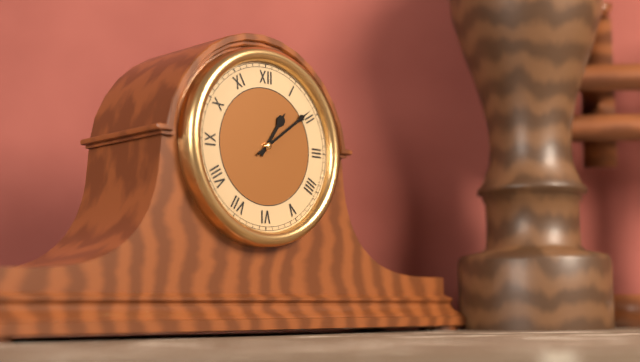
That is 1h09
